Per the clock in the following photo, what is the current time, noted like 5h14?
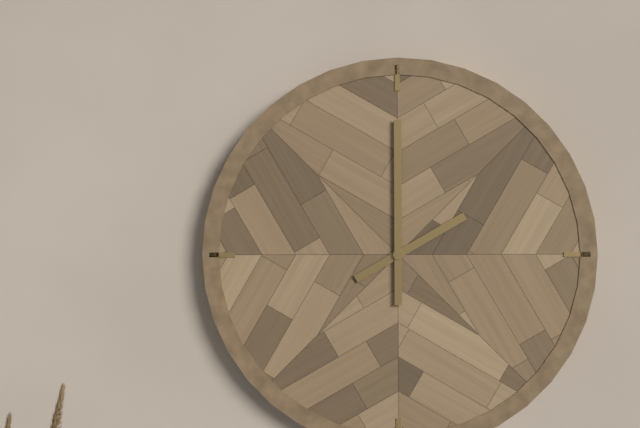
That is 2h00
